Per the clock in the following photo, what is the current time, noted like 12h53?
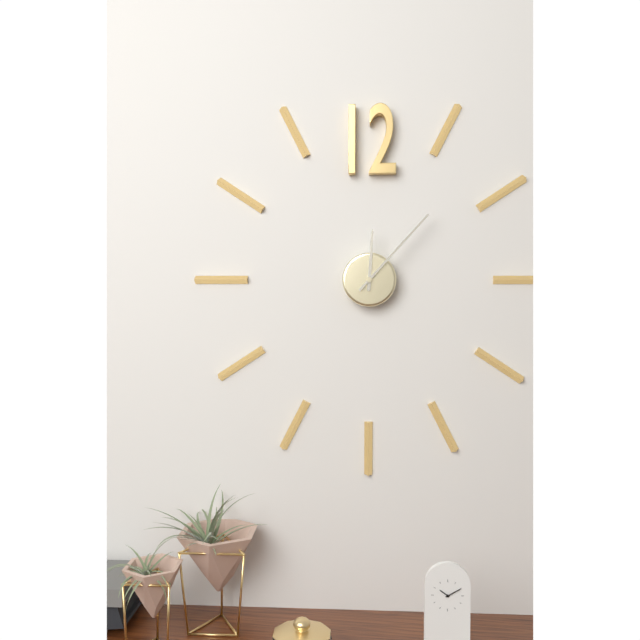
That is 12h07
